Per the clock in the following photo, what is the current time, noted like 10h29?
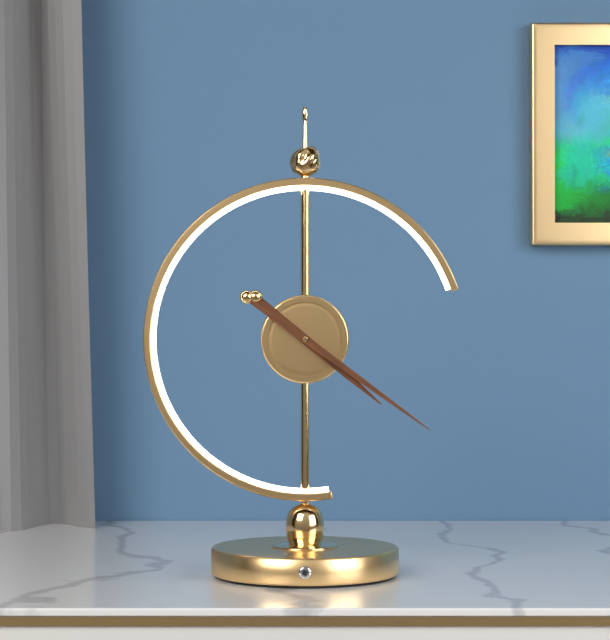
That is 4h21
